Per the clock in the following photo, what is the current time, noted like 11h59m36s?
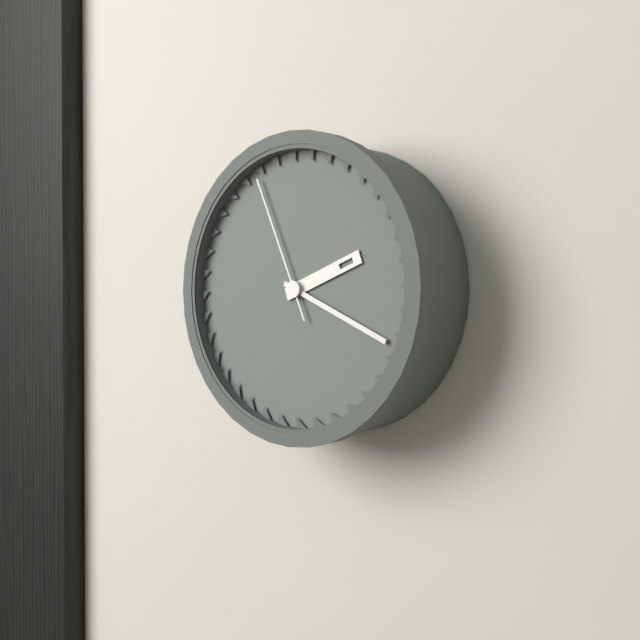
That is 2h19m56s
